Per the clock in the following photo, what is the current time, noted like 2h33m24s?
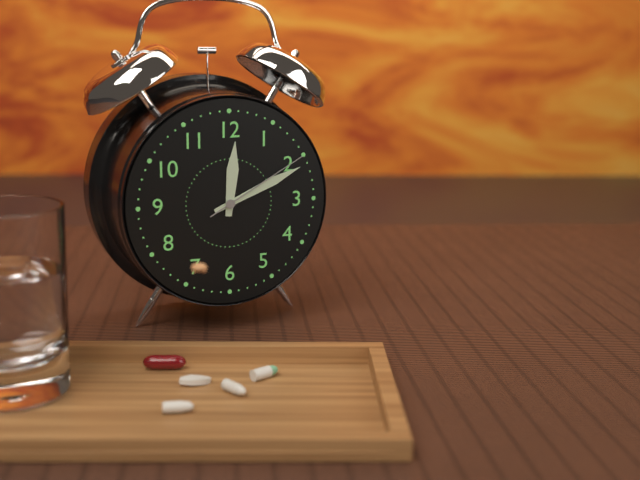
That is 12h11m10s
